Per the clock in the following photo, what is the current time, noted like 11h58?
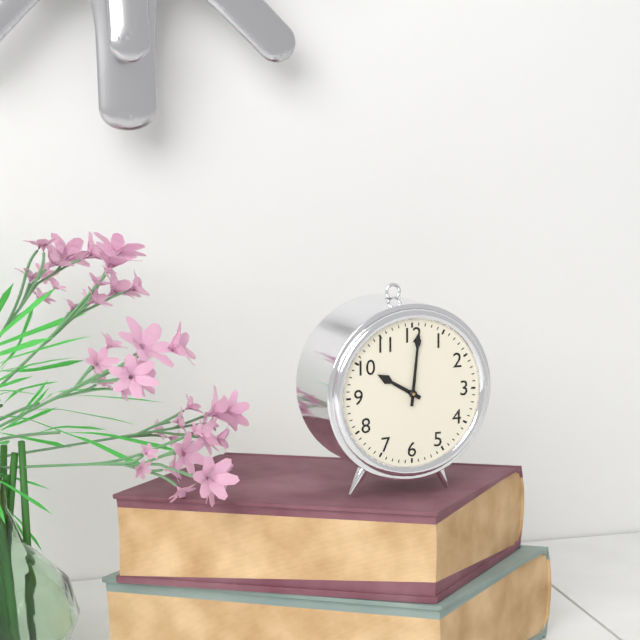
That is 10h01
